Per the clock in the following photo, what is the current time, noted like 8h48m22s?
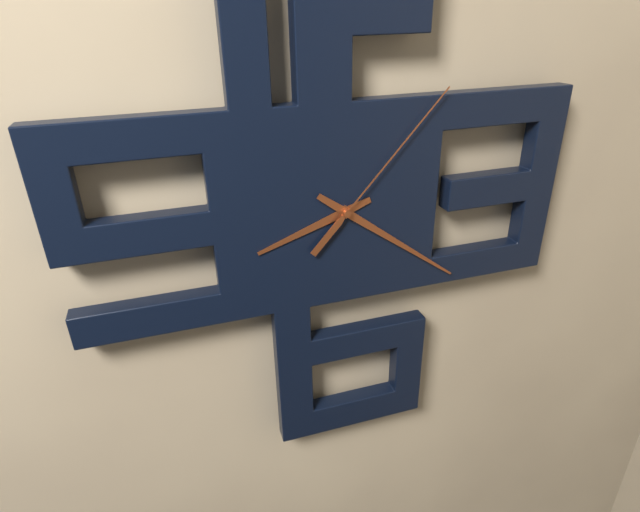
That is 8h21m07s
